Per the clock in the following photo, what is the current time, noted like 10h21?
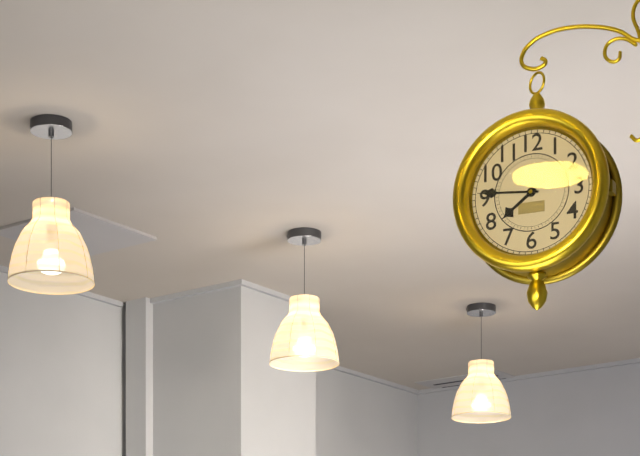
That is 7h46
